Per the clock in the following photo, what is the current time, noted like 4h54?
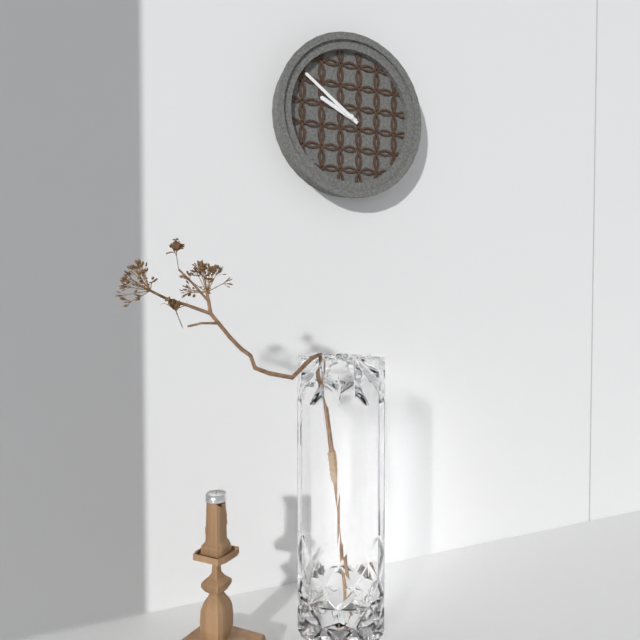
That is 9h51
